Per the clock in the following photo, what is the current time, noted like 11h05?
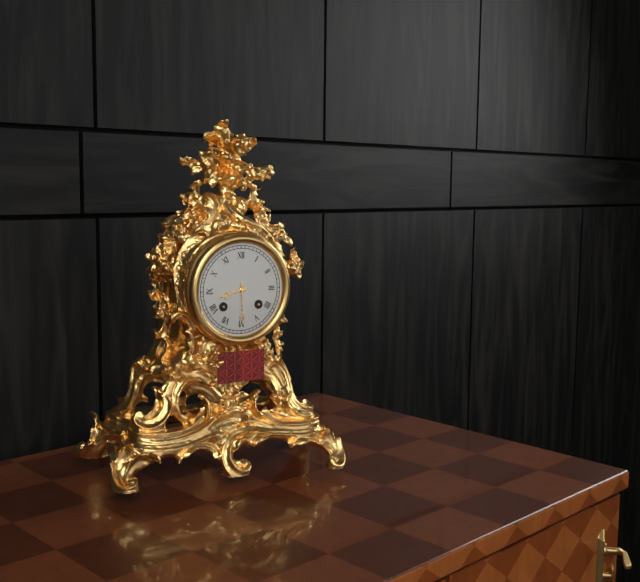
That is 8h30
